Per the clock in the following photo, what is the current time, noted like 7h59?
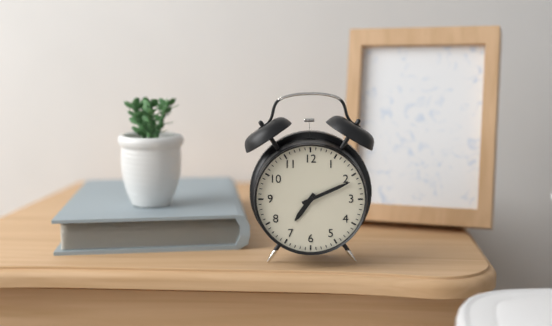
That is 7h11
